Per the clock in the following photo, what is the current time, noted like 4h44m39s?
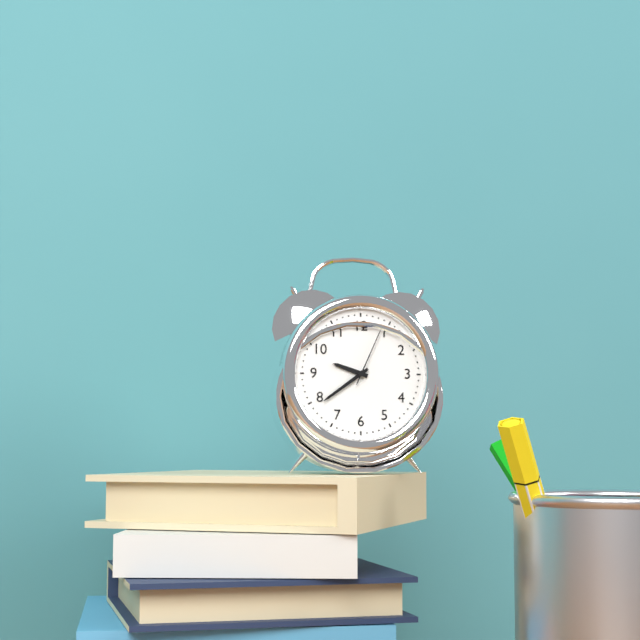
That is 9h39m04s
